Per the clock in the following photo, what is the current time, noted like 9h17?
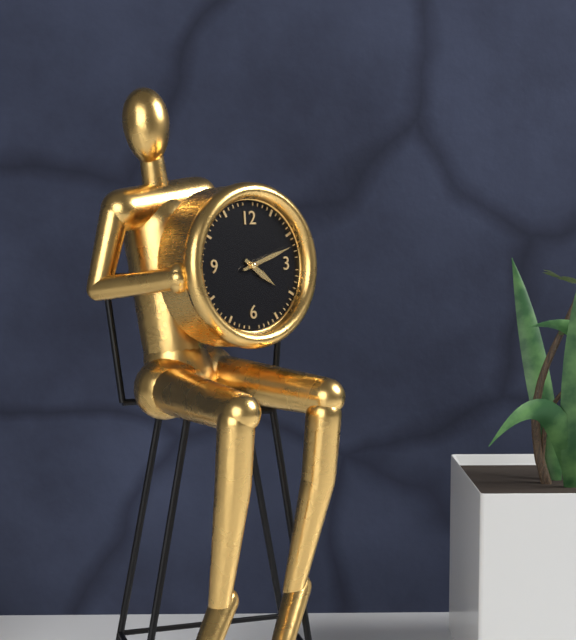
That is 4h12
